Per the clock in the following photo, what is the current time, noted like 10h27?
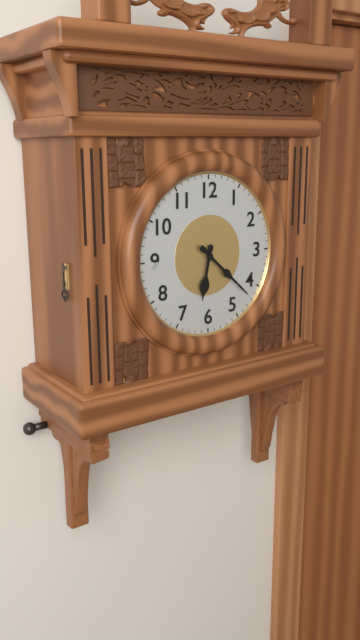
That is 6h22
